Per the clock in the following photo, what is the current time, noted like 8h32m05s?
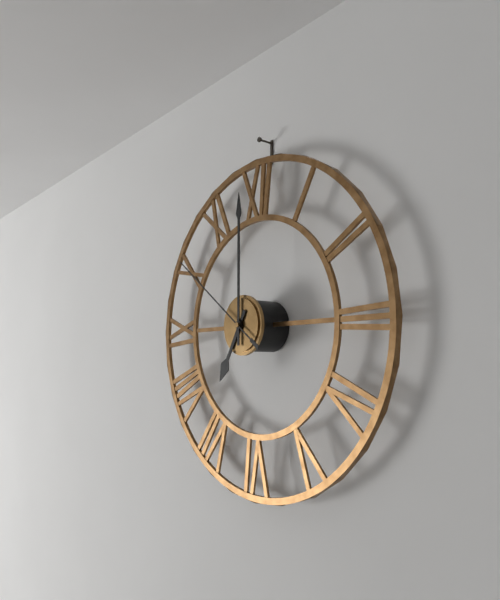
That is 7h00m51s
